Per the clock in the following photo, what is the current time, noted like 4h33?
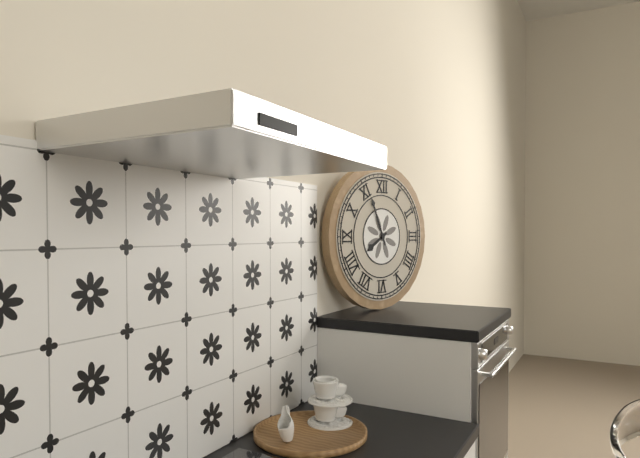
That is 7h56
